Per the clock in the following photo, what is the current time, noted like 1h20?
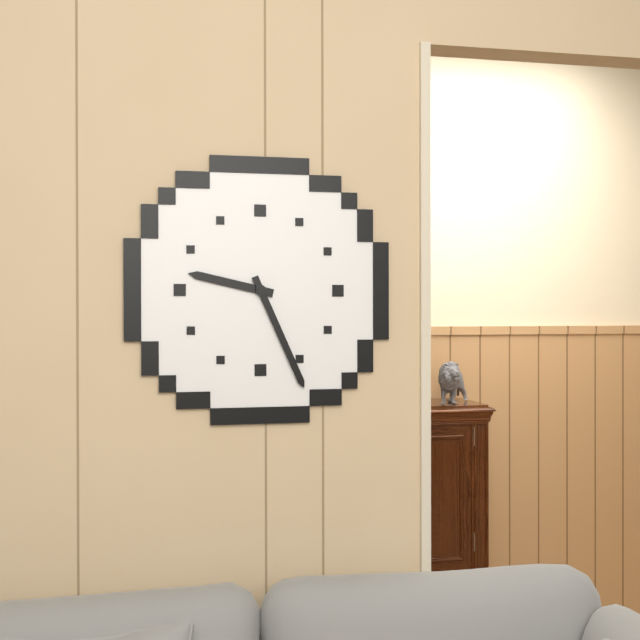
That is 9h26
